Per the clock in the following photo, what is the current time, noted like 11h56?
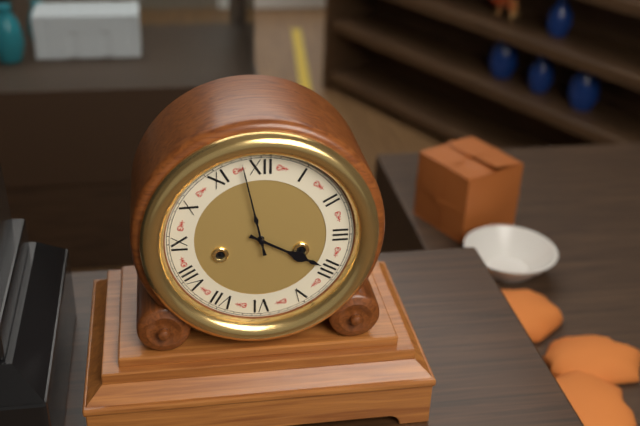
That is 3h58
